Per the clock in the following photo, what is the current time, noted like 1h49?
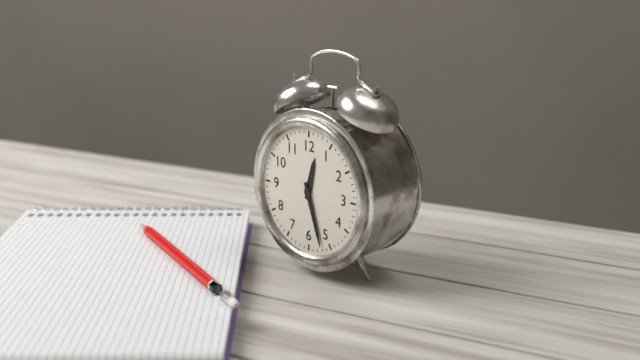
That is 12h27
